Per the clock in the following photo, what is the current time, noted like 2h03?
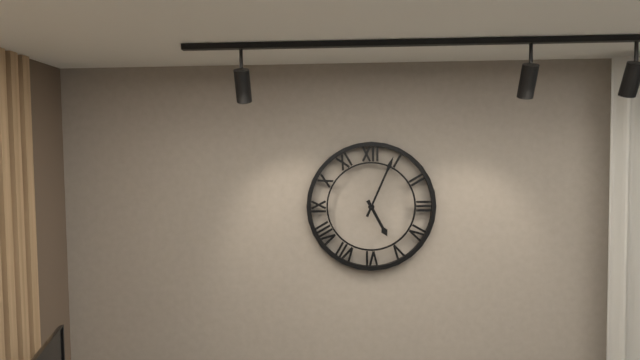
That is 5h04
